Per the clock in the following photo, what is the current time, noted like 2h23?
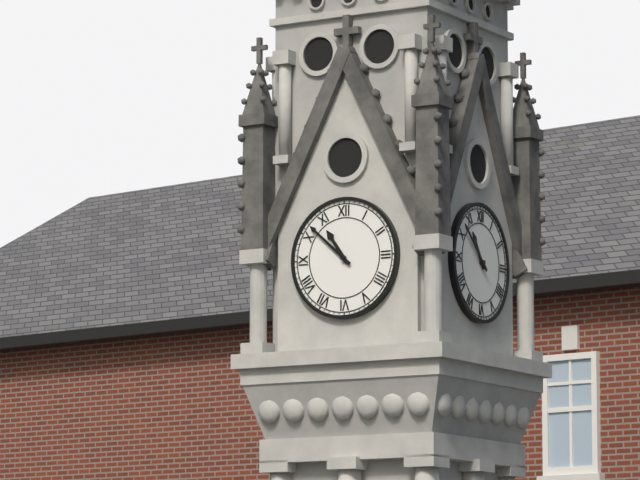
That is 10h52
